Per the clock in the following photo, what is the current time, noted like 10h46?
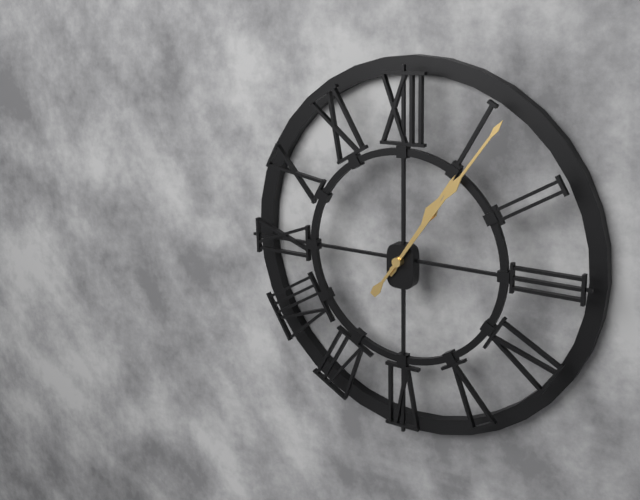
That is 1h06
